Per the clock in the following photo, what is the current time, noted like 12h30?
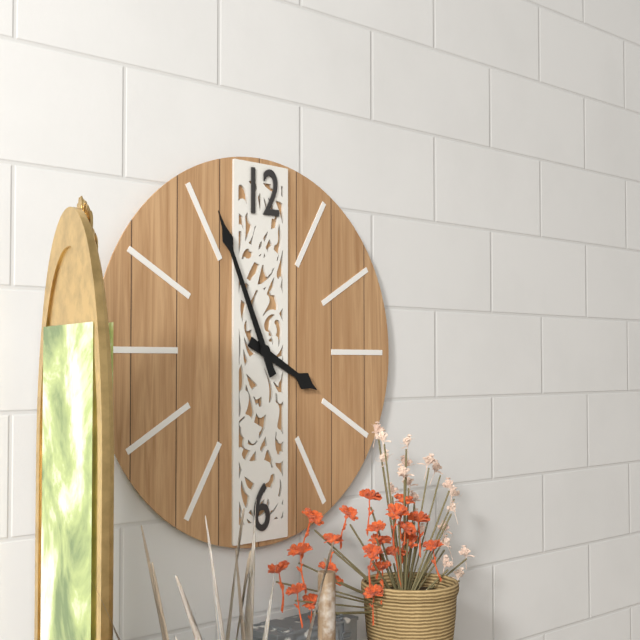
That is 3h56
